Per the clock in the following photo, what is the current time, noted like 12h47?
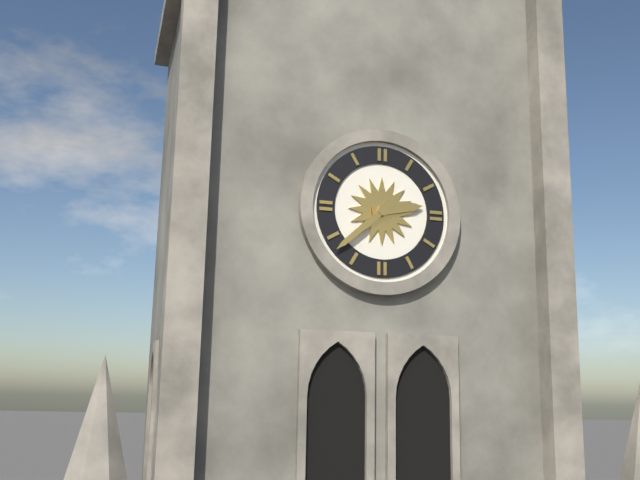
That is 2h38
